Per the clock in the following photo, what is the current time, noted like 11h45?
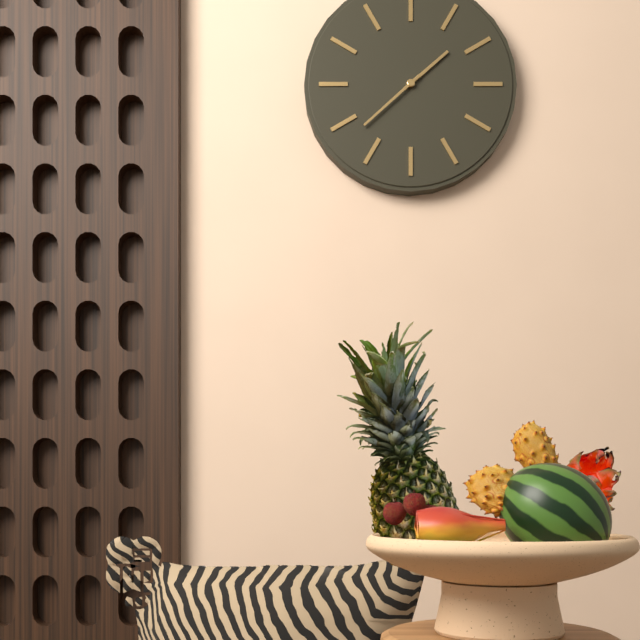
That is 1h38
